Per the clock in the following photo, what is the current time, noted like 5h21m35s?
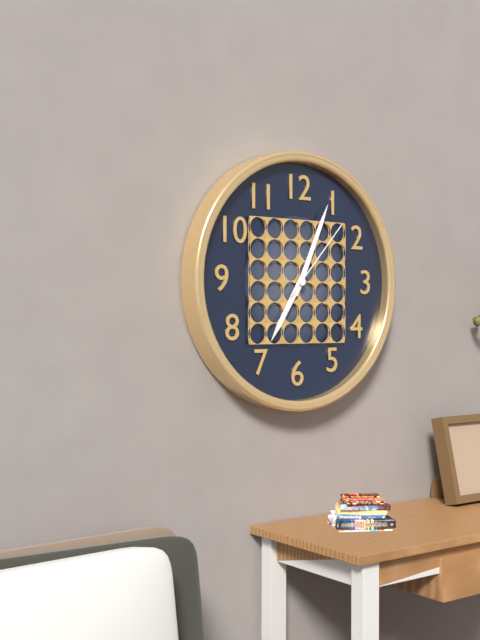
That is 7h04m07s
